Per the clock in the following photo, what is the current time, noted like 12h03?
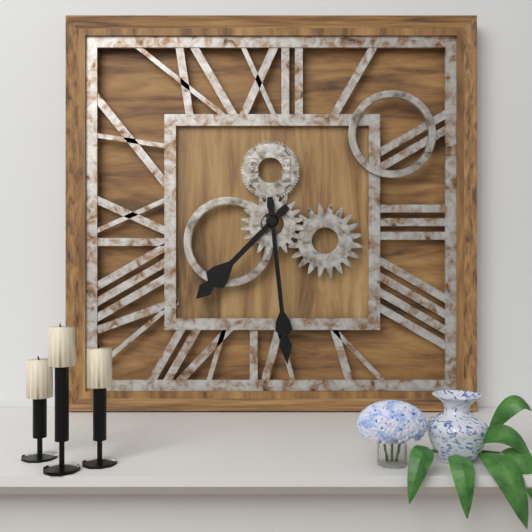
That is 7h29
